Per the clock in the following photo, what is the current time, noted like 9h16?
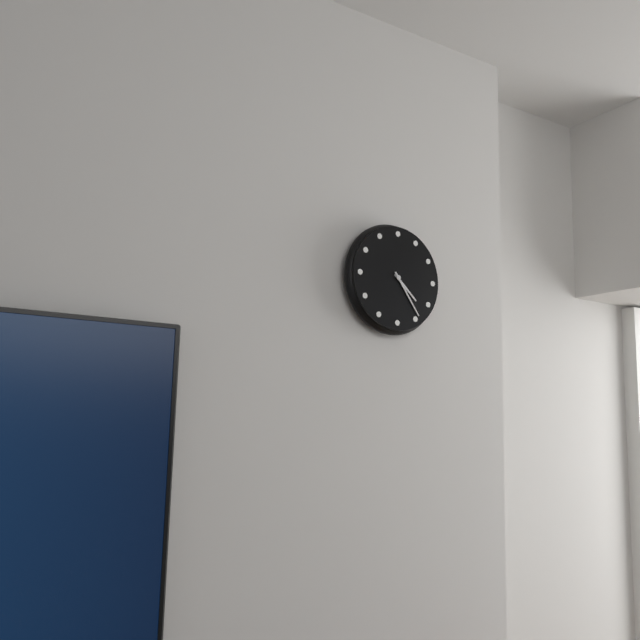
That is 4h24
